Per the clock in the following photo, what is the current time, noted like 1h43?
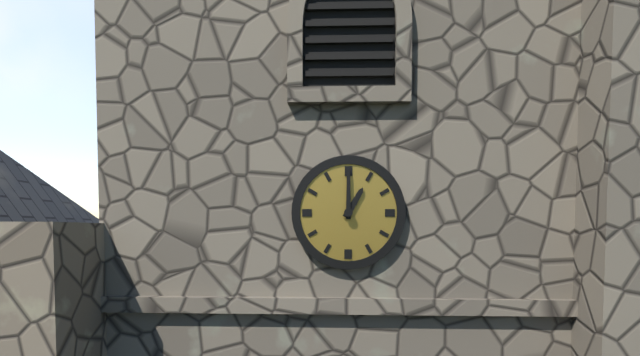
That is 1h00
